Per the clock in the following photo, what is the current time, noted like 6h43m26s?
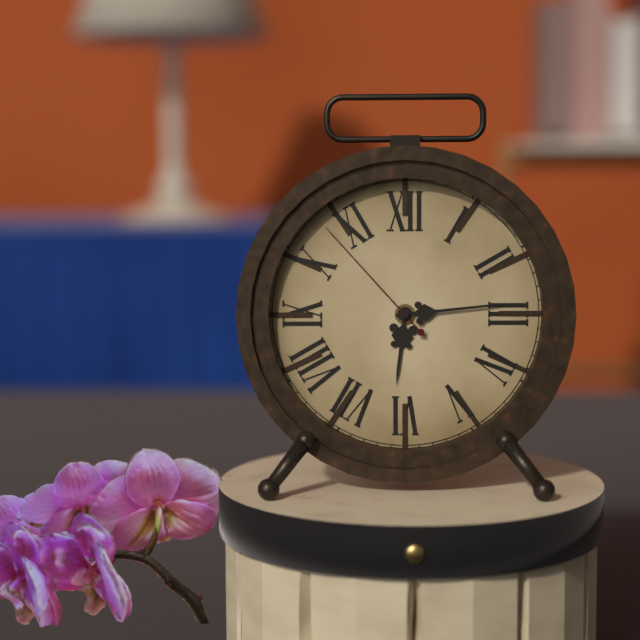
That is 6h14m53s
